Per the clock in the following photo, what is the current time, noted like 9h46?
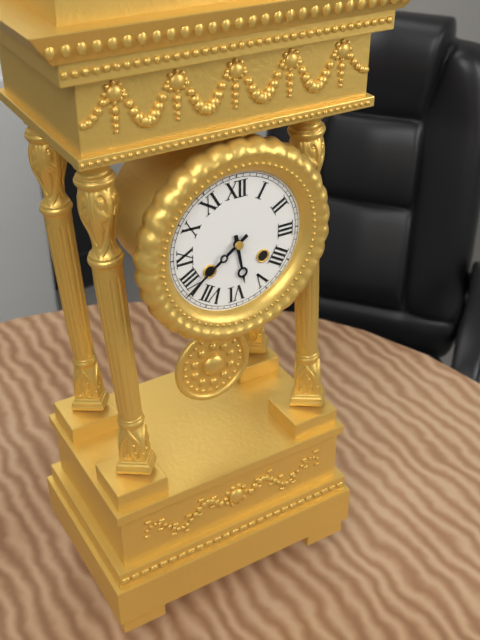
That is 5h39
